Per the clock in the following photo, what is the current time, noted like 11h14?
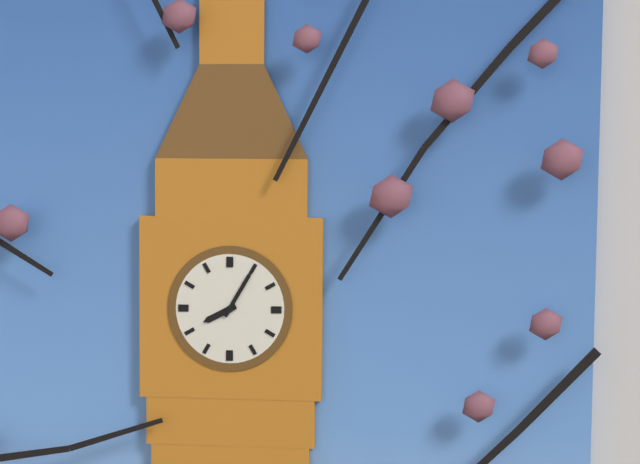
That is 8h05
